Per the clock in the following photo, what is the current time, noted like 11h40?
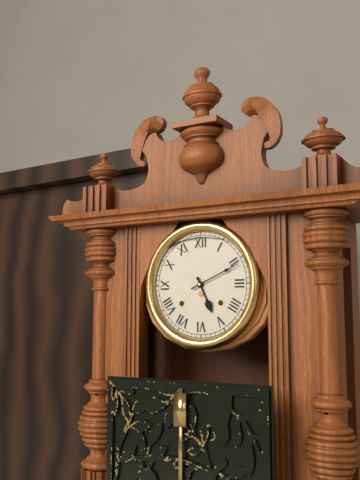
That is 5h11
